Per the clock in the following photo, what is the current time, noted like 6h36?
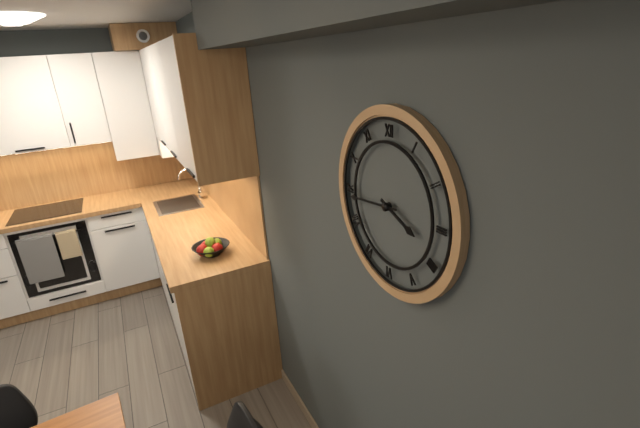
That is 3h44
